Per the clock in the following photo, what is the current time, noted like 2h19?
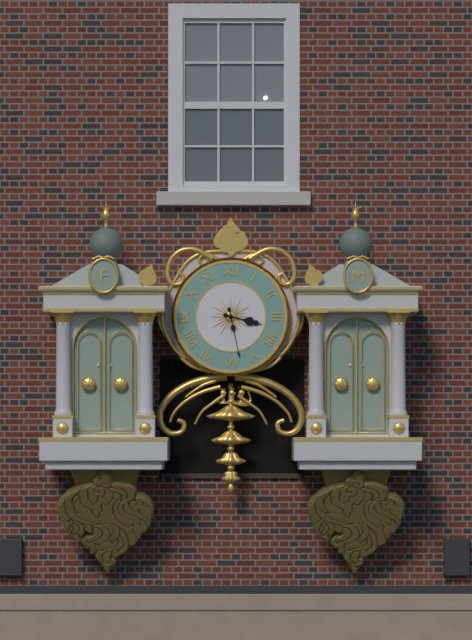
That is 3h28
